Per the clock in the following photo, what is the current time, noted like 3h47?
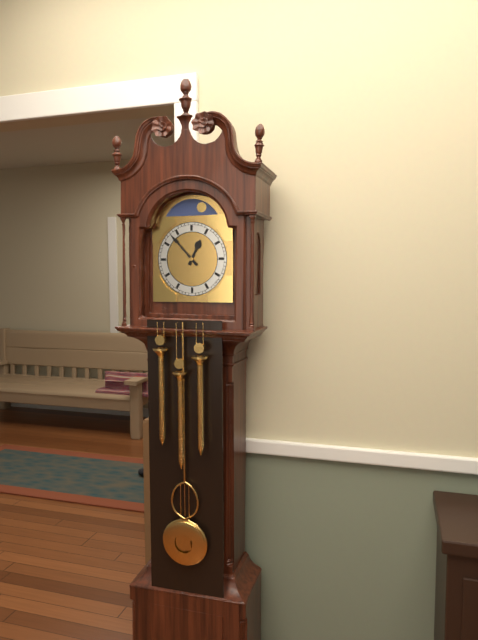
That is 12h53
